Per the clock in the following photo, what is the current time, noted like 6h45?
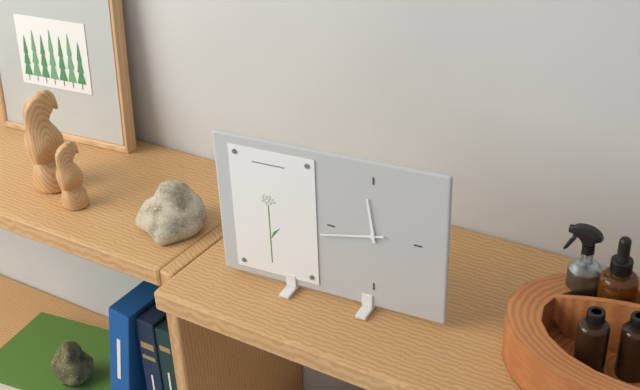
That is 11h43
